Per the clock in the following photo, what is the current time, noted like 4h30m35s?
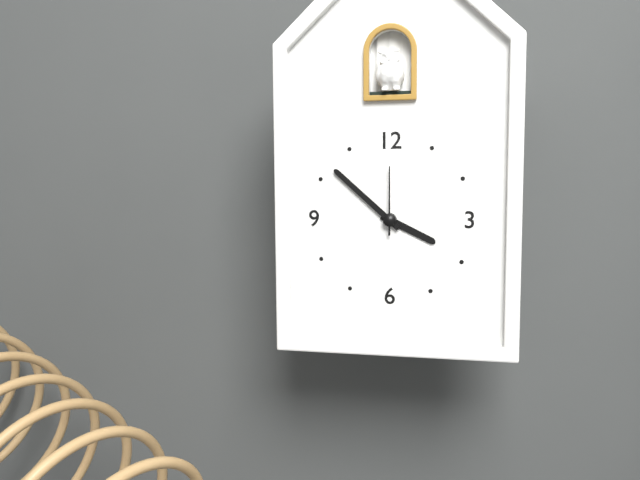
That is 3h52m00s
